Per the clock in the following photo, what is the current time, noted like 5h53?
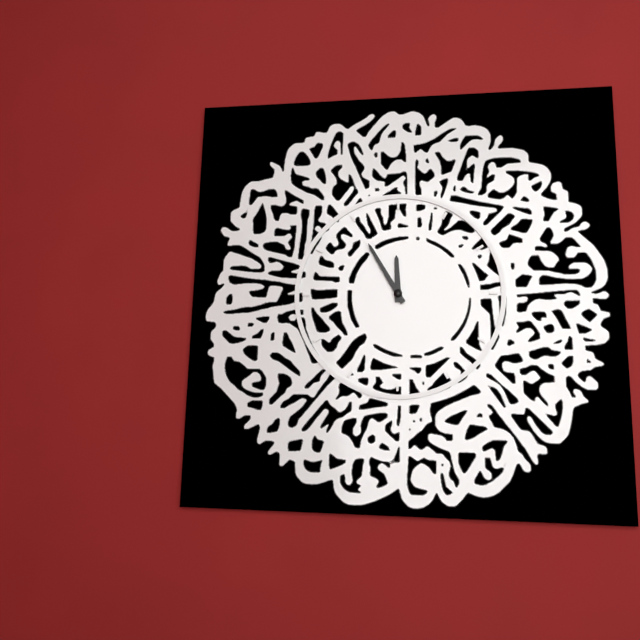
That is 11h55
